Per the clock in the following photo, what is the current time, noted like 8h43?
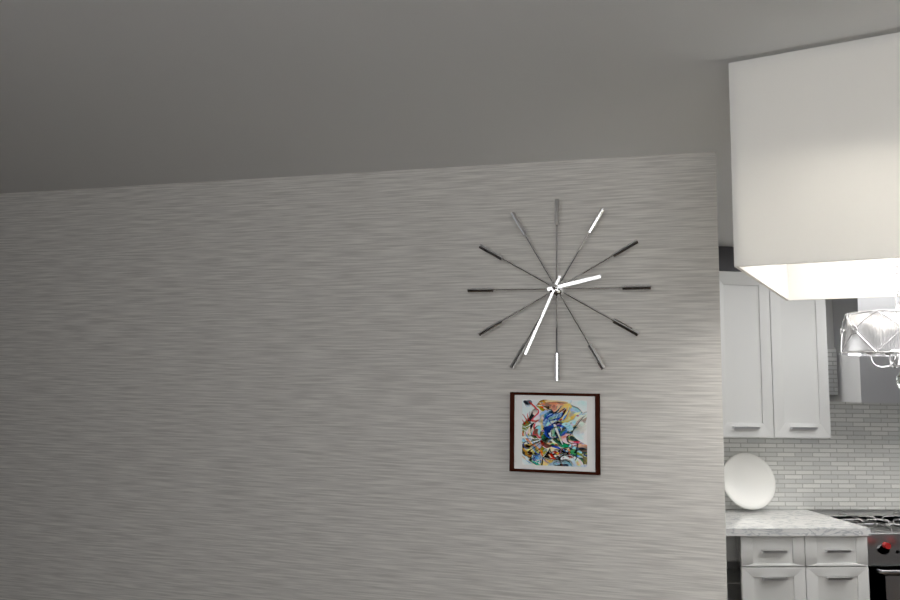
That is 2h34
